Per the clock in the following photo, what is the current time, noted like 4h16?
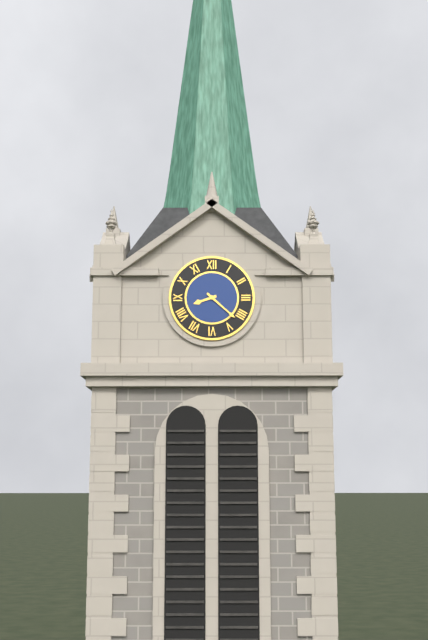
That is 8h22
